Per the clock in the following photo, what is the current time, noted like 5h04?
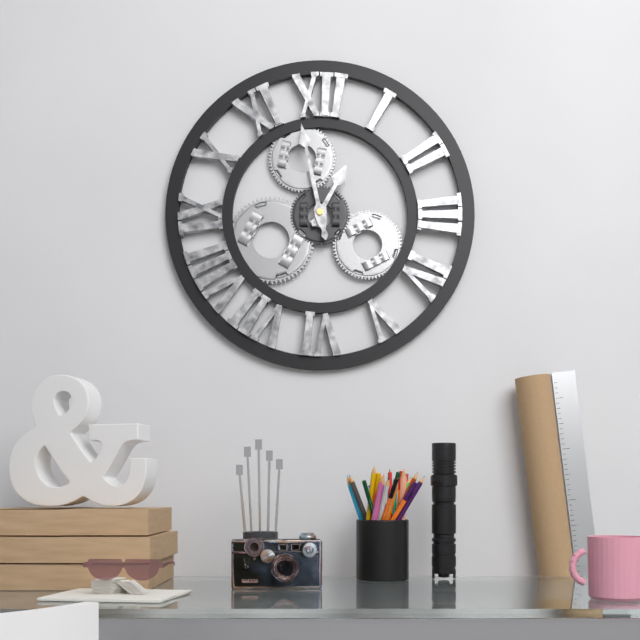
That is 12h58
